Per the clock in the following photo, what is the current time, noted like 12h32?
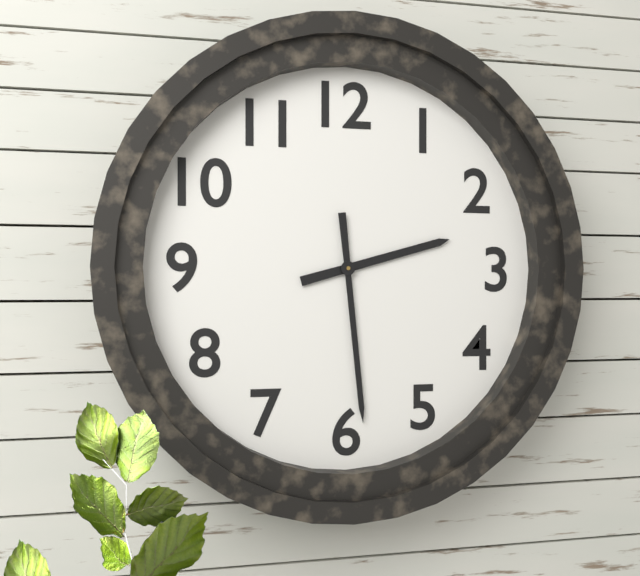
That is 2h29
